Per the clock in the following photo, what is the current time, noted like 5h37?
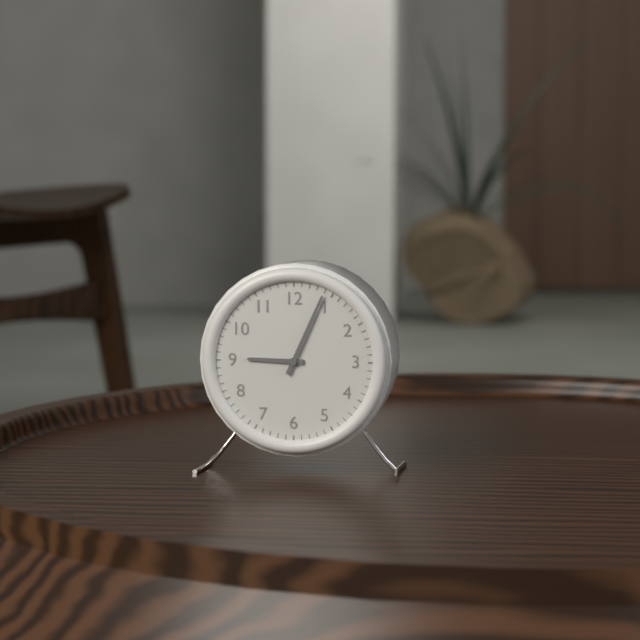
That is 9h04
